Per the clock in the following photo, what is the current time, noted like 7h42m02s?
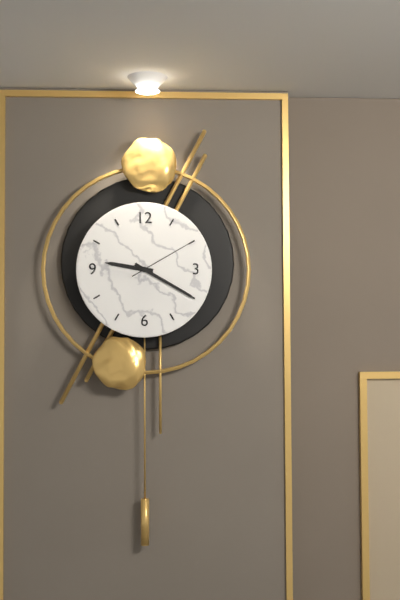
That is 9h20m10s
